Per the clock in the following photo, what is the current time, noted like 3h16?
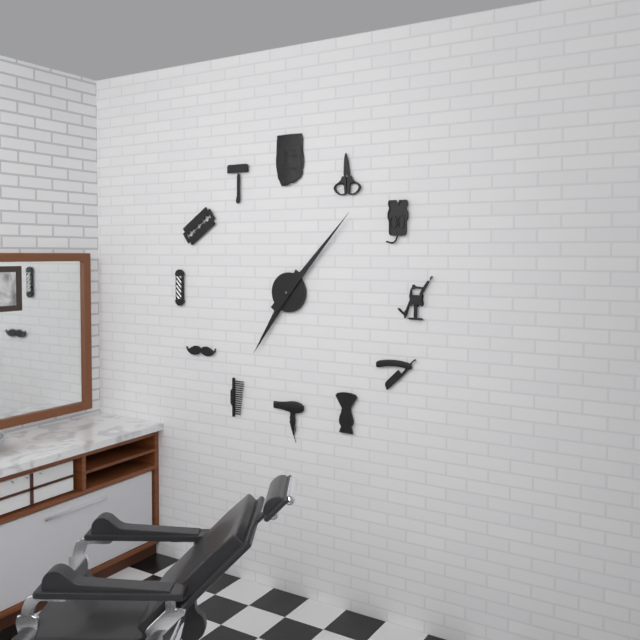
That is 7h07
